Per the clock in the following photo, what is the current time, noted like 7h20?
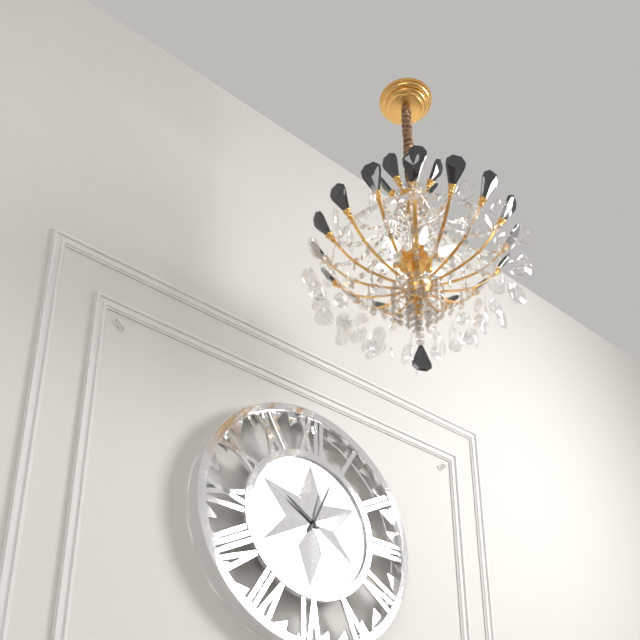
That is 10h04
